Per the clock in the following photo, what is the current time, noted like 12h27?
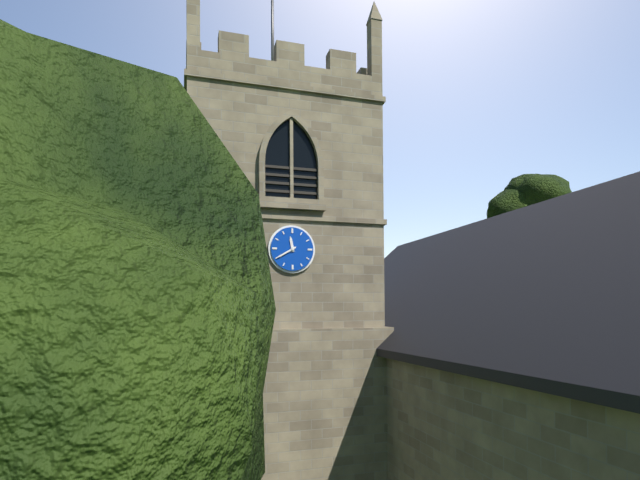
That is 11h40
